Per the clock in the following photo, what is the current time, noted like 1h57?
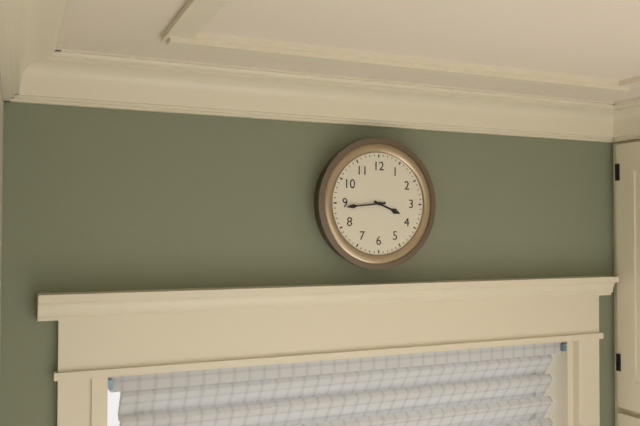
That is 3h44
